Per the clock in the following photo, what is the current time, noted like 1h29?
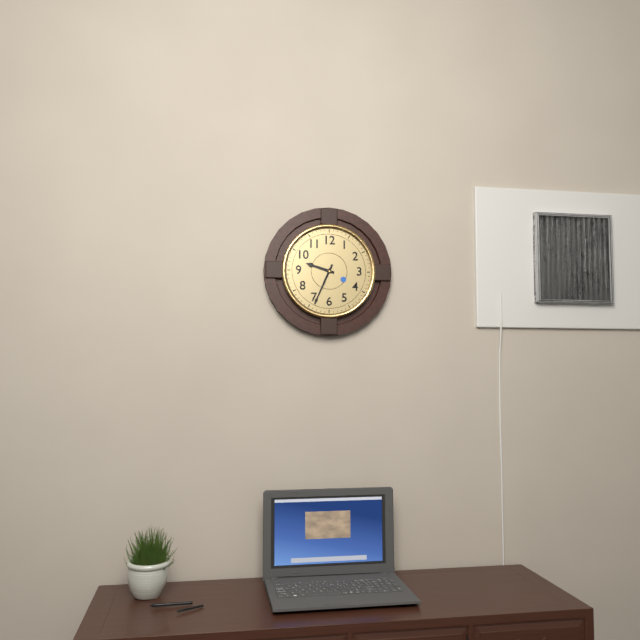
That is 9h34
